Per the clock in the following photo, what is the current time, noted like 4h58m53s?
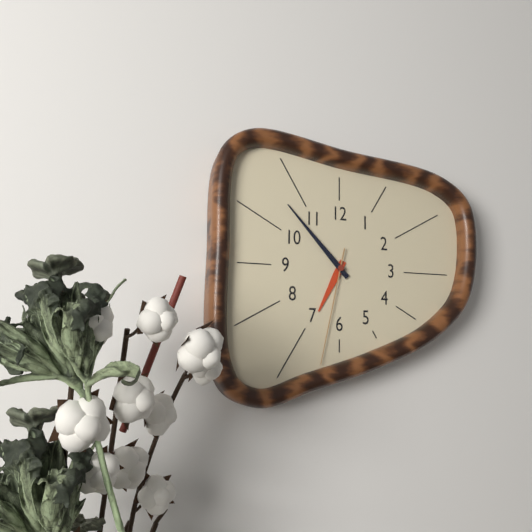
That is 6h53m32s
